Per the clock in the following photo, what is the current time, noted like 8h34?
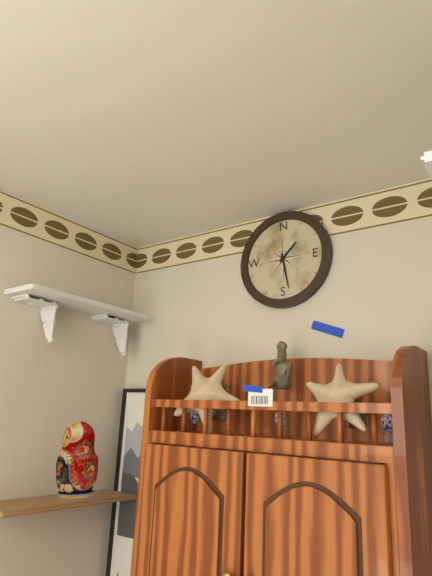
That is 1h28
